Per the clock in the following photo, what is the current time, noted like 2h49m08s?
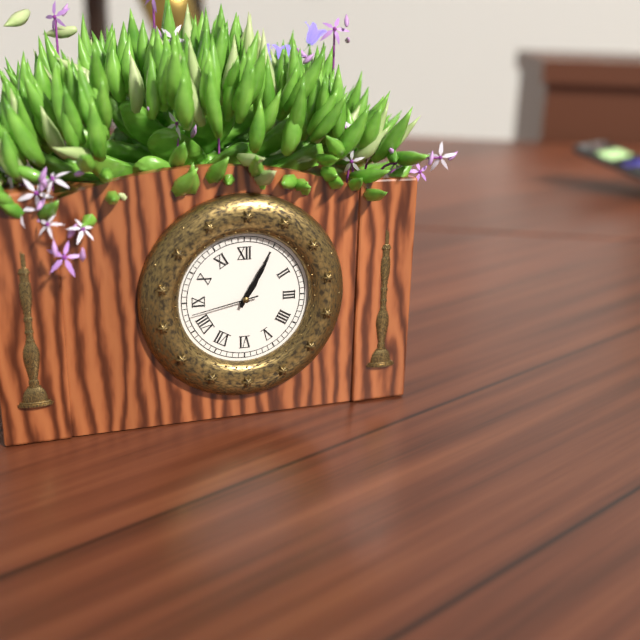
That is 1h05m43s
